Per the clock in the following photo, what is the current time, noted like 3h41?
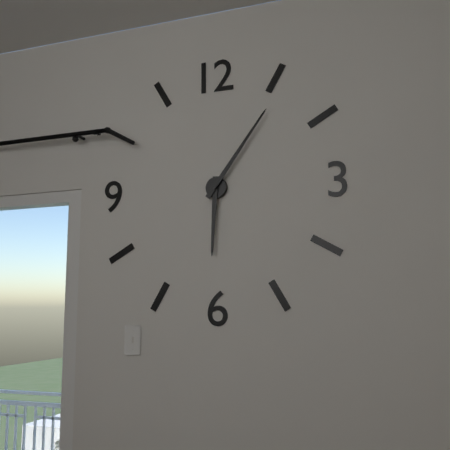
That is 6h06
